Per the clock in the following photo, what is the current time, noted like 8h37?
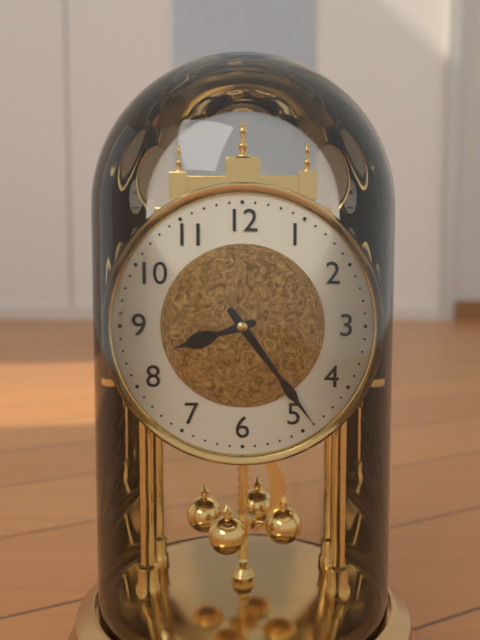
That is 8h24
